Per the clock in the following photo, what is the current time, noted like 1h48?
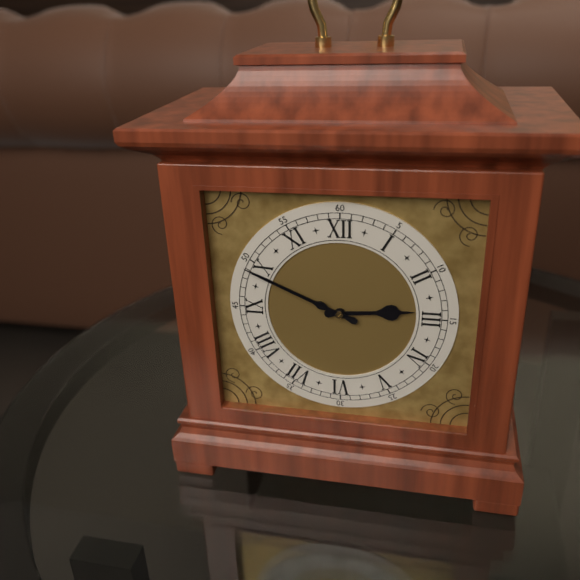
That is 2h49
